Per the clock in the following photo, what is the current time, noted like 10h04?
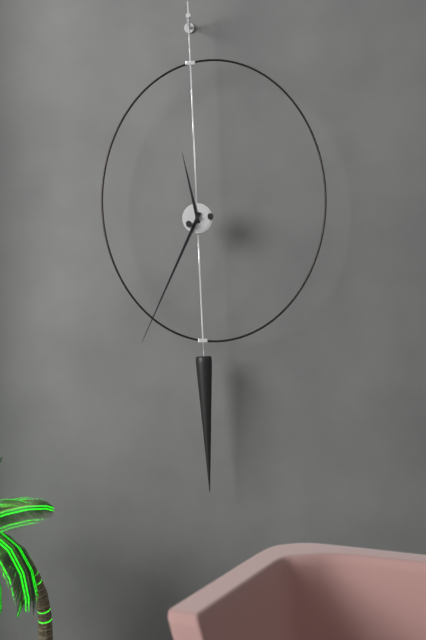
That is 11h34
